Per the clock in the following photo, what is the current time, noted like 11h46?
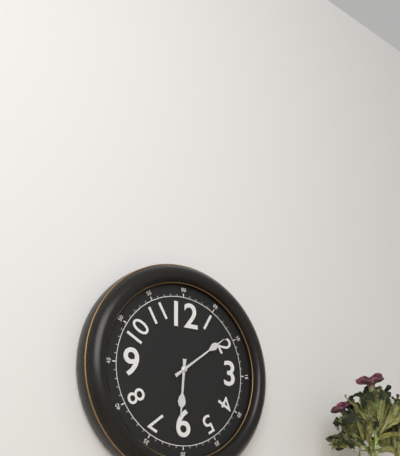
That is 6h09
